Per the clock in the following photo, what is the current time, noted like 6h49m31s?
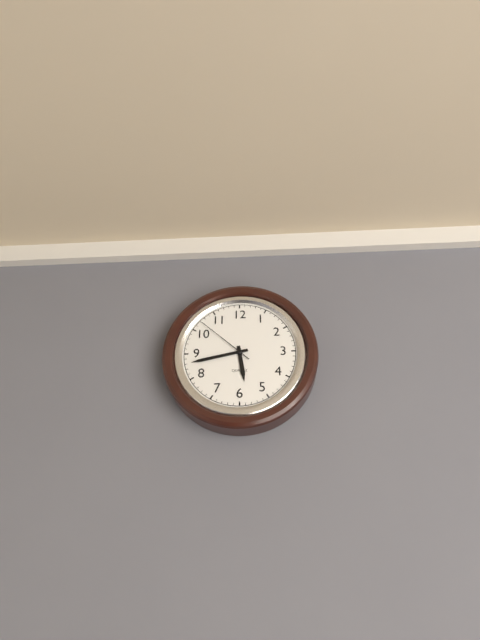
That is 5h43m52s
